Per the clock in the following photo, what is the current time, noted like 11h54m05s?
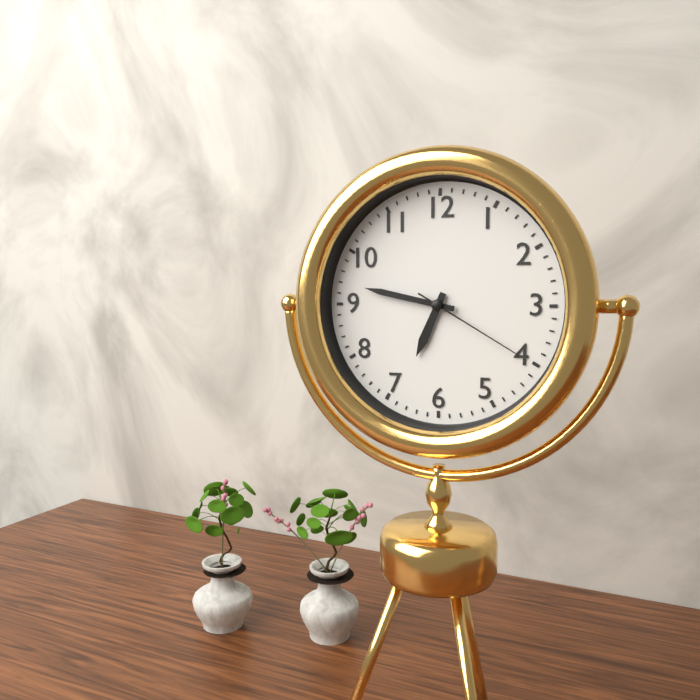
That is 6h47m20s
